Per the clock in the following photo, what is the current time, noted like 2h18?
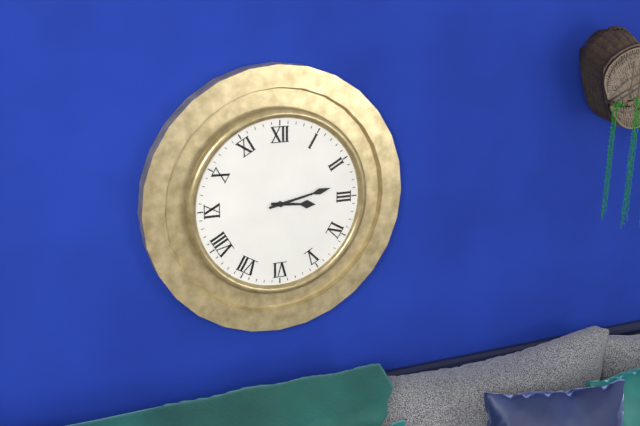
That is 3h13
